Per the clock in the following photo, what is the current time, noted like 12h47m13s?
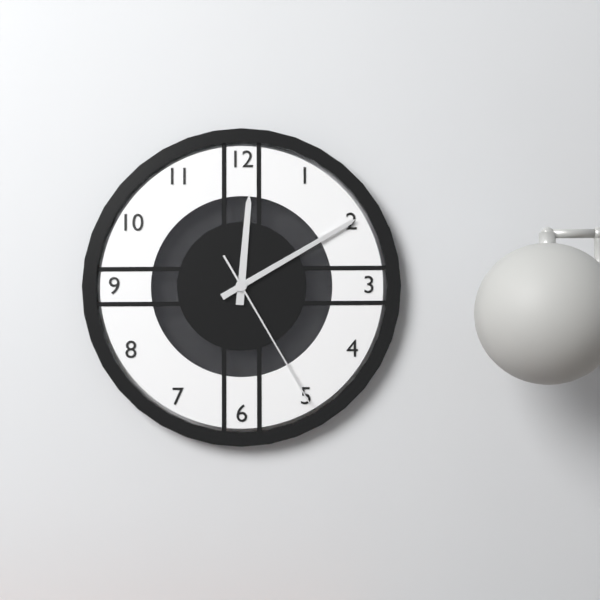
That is 12h10m25s
